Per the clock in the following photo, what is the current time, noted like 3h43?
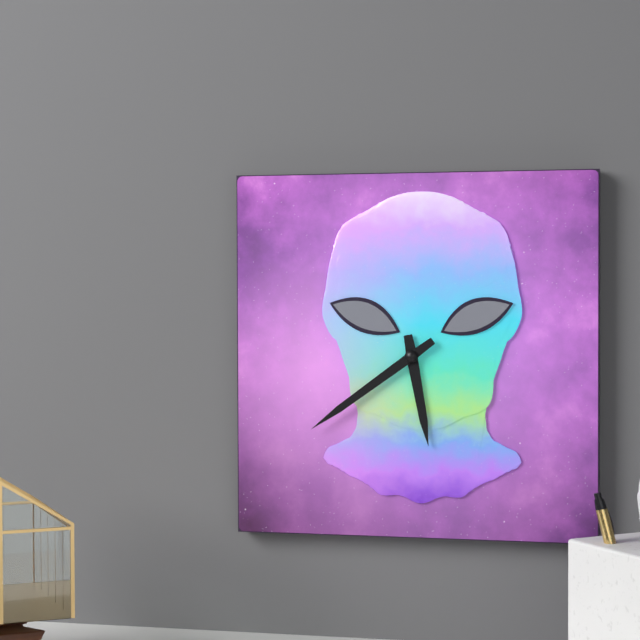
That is 5h39
